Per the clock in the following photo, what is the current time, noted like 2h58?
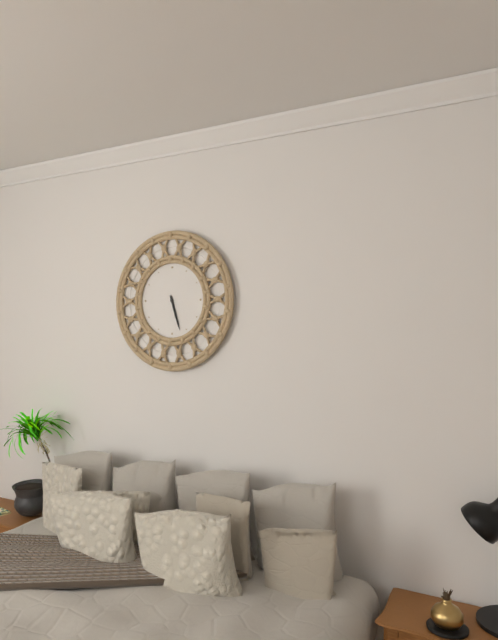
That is 5h27
